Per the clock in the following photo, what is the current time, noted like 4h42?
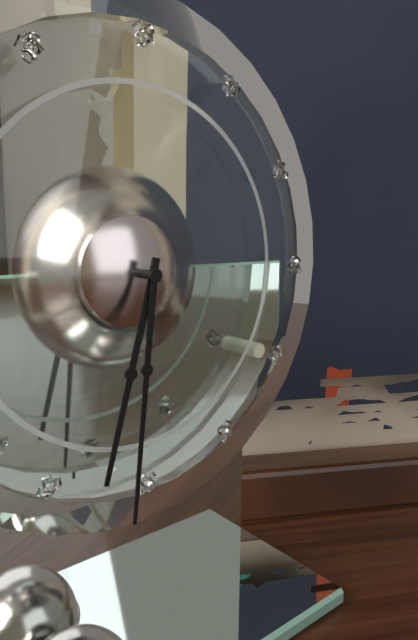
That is 6h31
